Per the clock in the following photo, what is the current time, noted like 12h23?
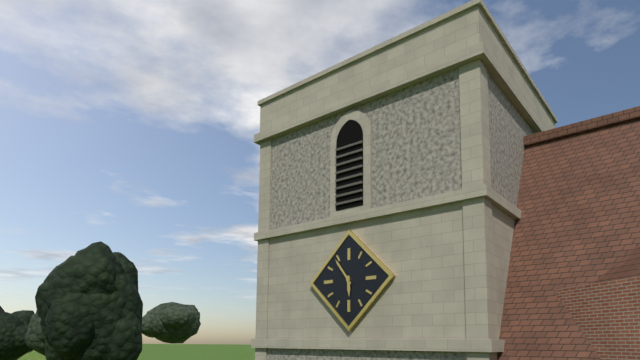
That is 5h54
